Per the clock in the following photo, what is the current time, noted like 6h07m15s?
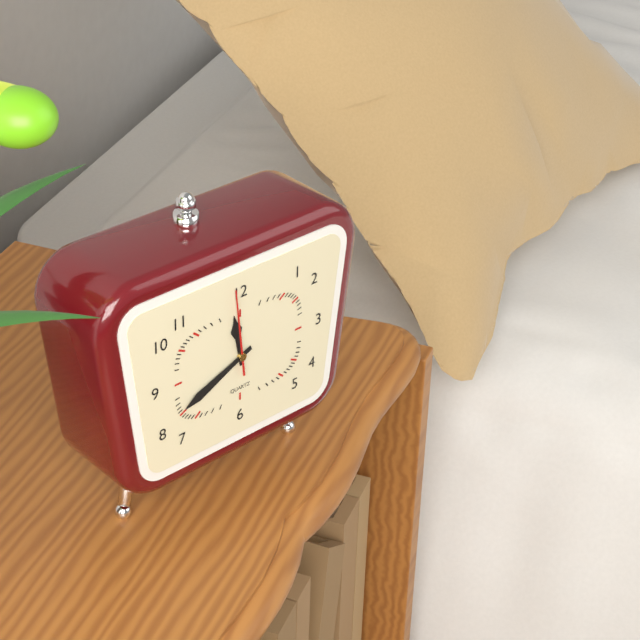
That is 11h41m59s
